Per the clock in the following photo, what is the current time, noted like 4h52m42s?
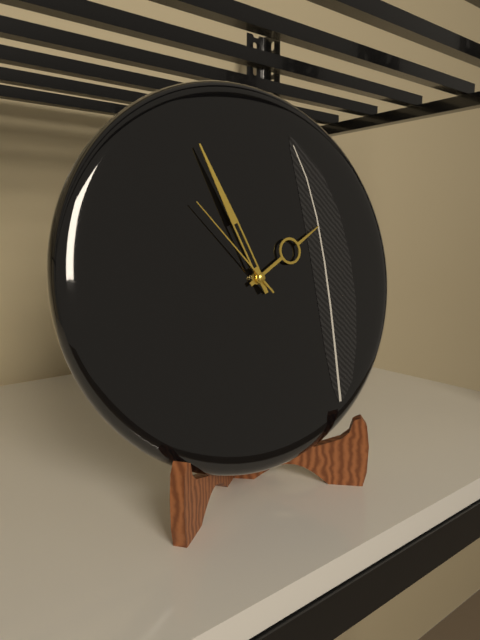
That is 1h56m53s
